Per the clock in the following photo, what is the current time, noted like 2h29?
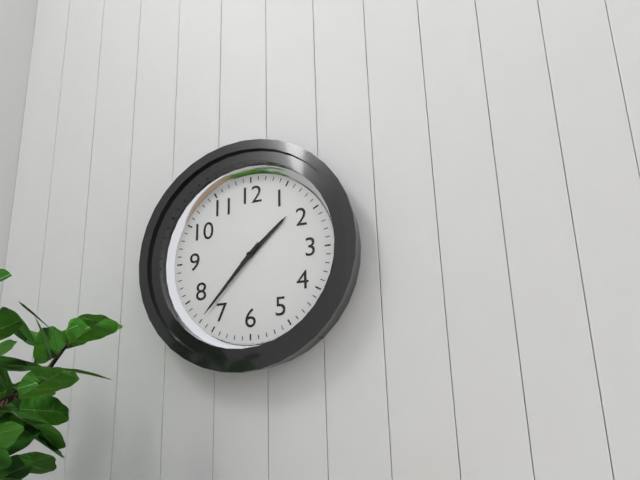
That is 1h37
